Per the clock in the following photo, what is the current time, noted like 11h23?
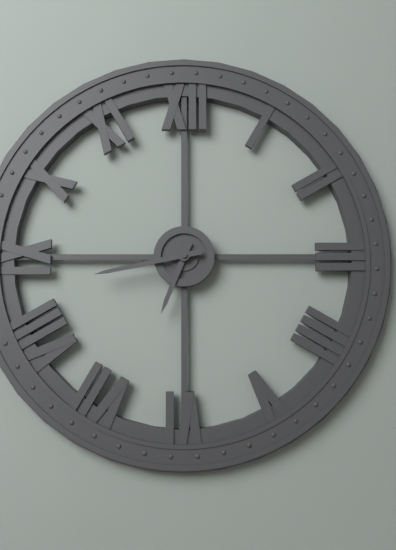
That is 6h43
